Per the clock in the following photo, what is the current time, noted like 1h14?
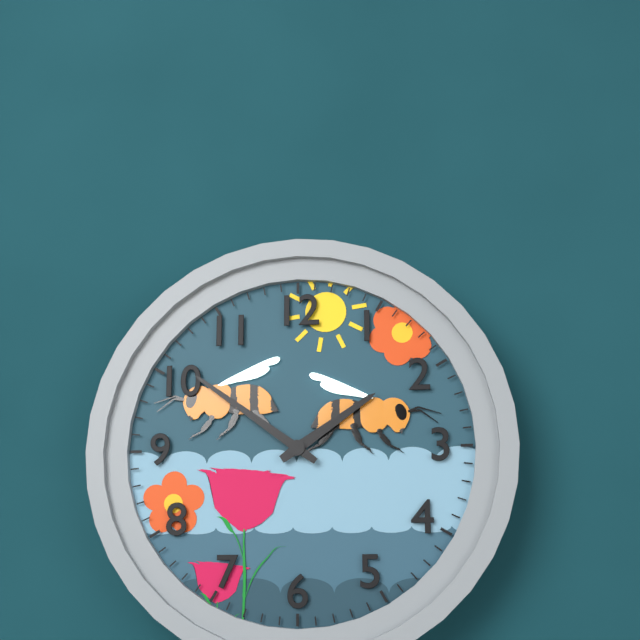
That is 1h51
